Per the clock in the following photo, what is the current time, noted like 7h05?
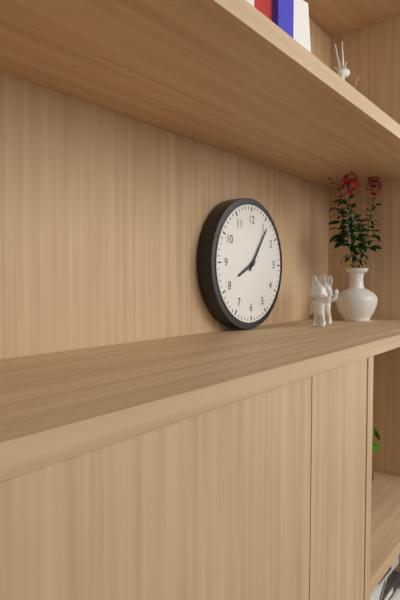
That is 8h06
